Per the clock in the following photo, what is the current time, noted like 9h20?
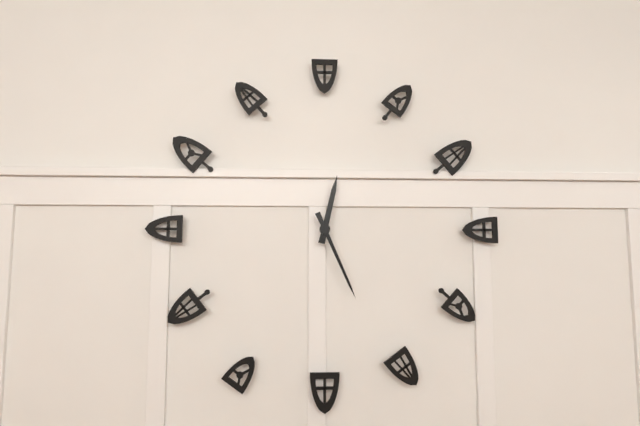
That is 12h26
